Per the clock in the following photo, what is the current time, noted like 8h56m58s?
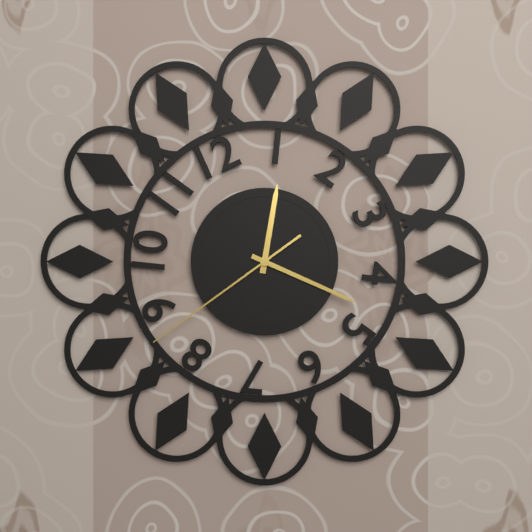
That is 12h19m39s
